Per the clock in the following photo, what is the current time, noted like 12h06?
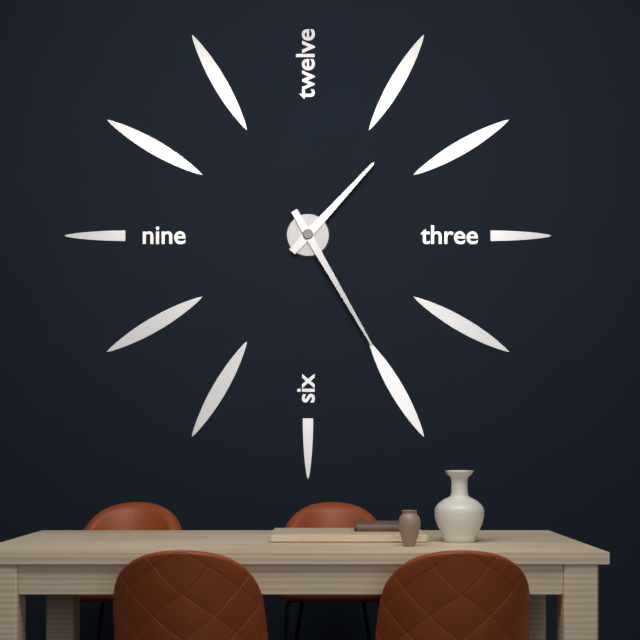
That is 1h25
